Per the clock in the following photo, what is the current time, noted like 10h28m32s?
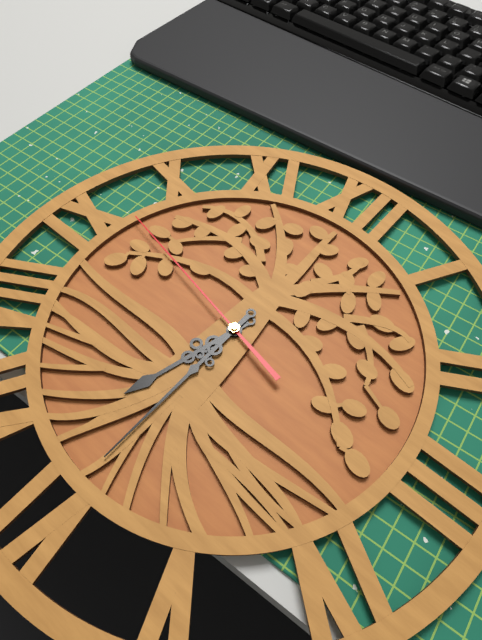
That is 6h30m47s
